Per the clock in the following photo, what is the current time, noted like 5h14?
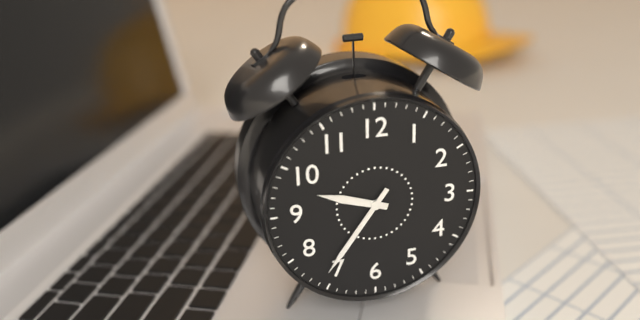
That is 9h36
